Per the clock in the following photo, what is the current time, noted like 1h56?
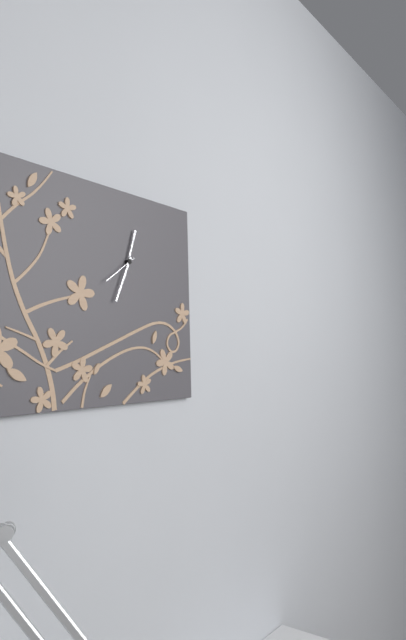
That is 12h34
